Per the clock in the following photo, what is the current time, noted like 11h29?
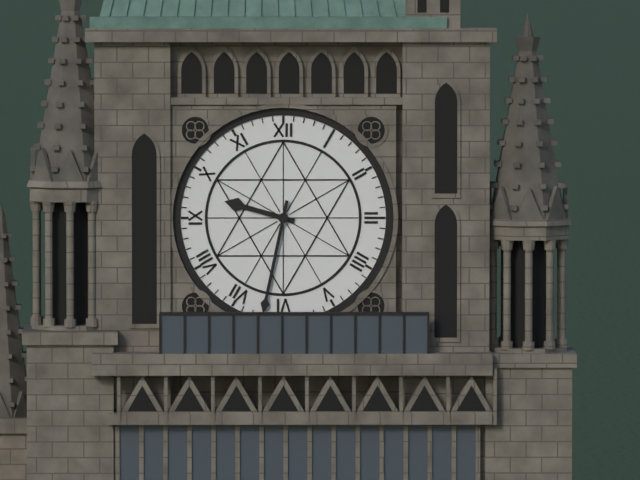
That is 9h32
